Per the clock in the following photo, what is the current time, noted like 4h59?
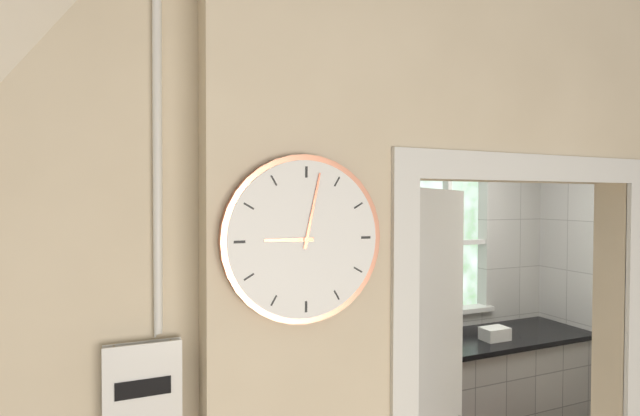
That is 9h02
